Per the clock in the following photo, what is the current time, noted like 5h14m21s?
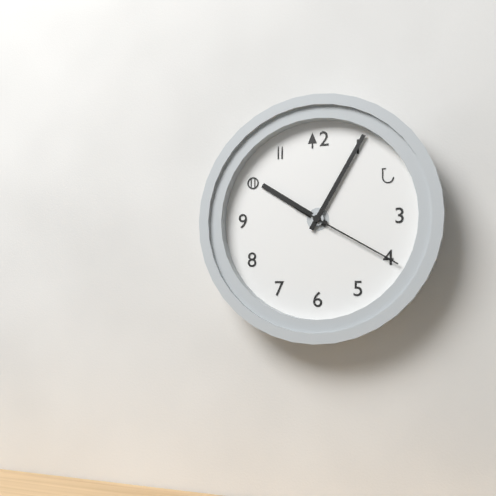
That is 10h05m20s
